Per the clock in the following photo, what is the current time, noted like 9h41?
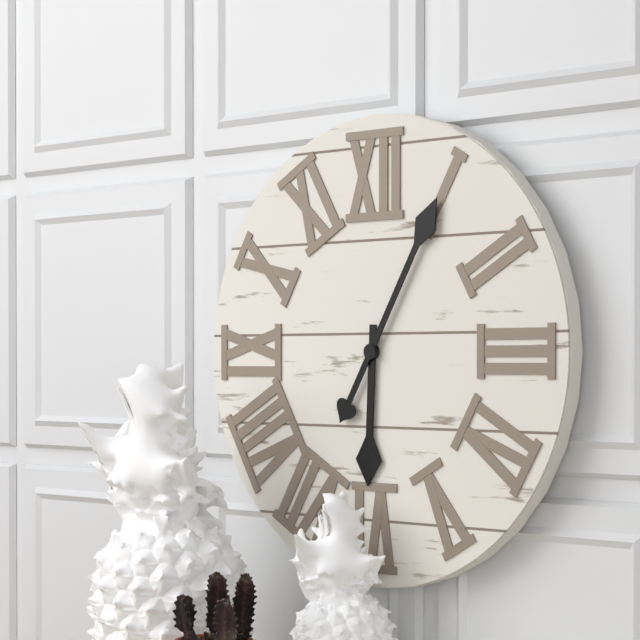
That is 6h05
